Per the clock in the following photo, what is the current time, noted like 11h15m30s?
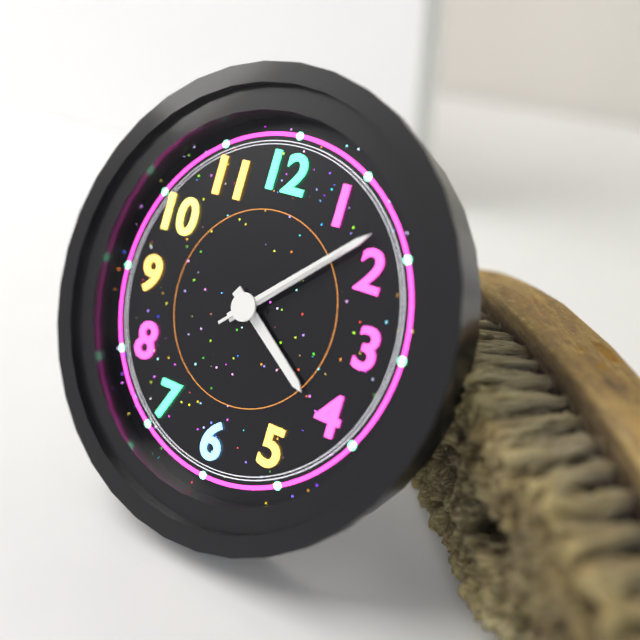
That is 4h08m08s
